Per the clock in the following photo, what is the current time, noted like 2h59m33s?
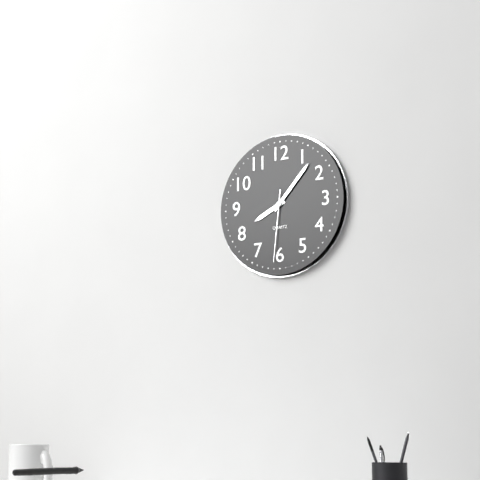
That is 8h07m31s
